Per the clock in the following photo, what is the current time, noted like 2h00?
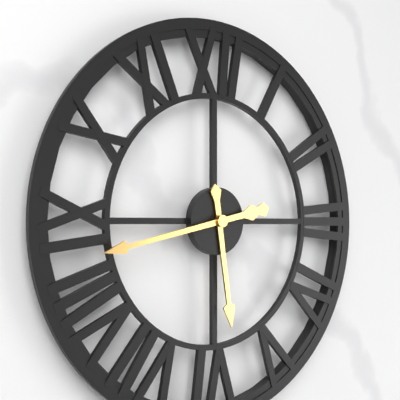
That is 5h43
